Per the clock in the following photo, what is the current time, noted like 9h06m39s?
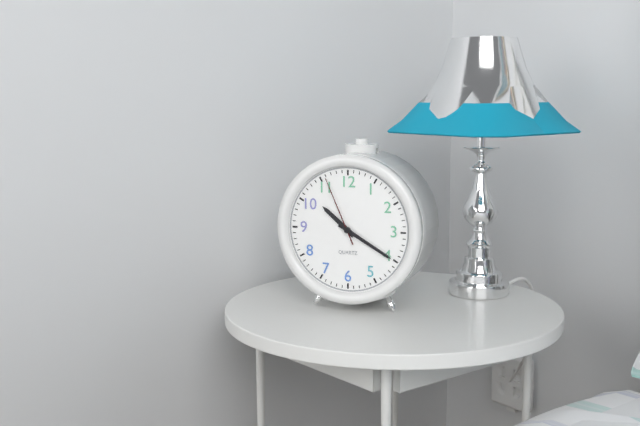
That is 10h20m56s
